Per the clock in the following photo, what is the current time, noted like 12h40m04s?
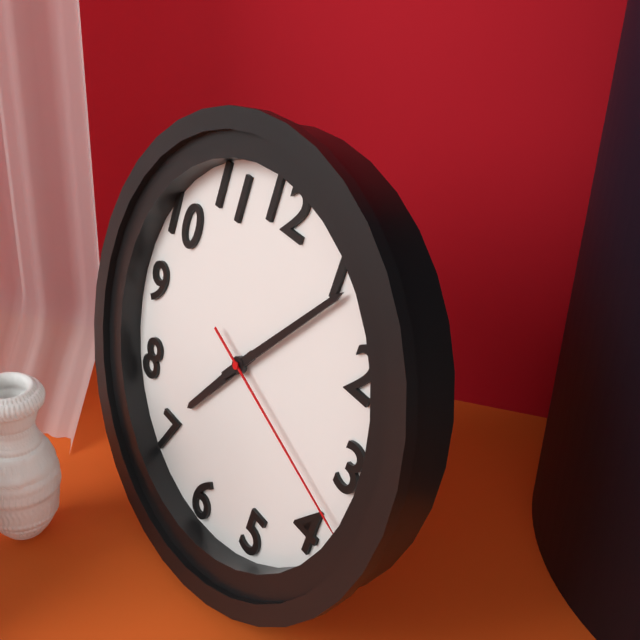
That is 7h06m18s
